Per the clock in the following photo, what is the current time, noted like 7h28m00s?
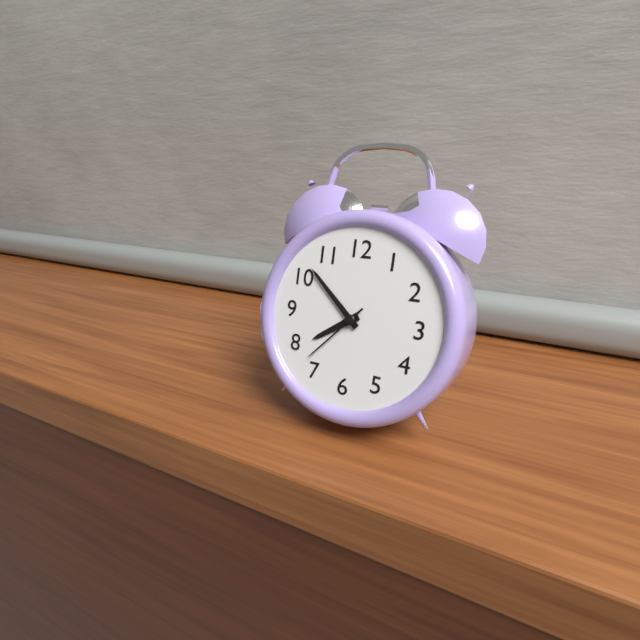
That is 7h52m37s
